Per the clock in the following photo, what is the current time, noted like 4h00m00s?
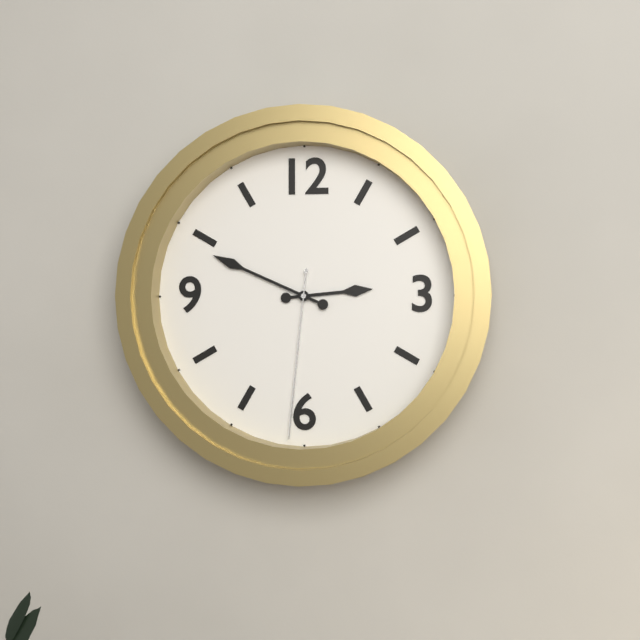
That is 2h49m31s
